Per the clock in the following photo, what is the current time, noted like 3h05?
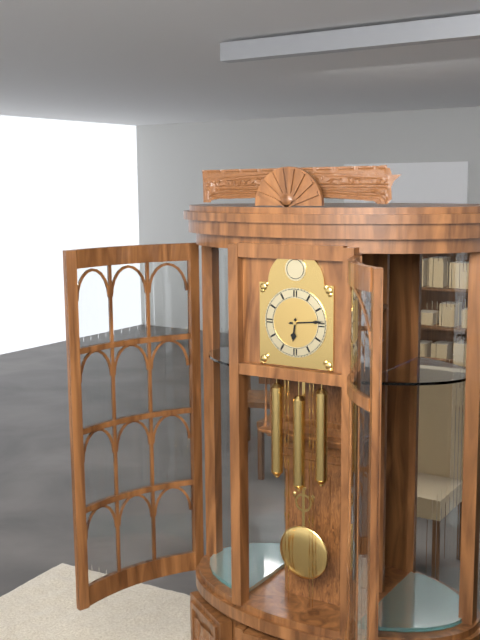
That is 6h14
